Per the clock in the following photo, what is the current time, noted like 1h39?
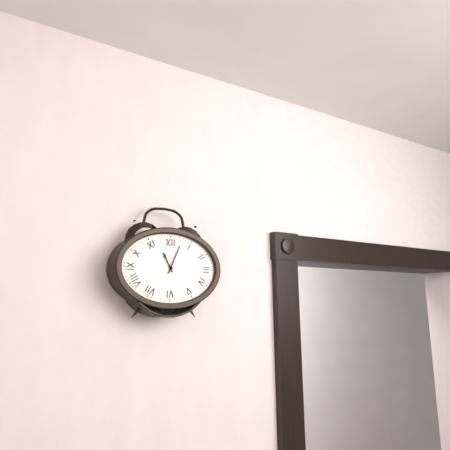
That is 11h04
